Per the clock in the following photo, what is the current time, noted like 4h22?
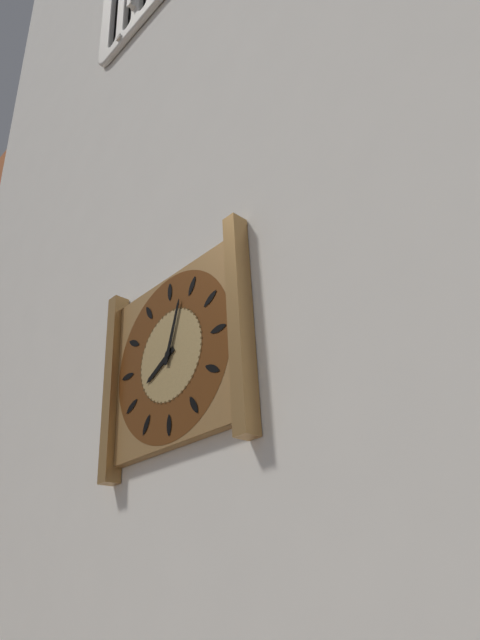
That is 8h03
